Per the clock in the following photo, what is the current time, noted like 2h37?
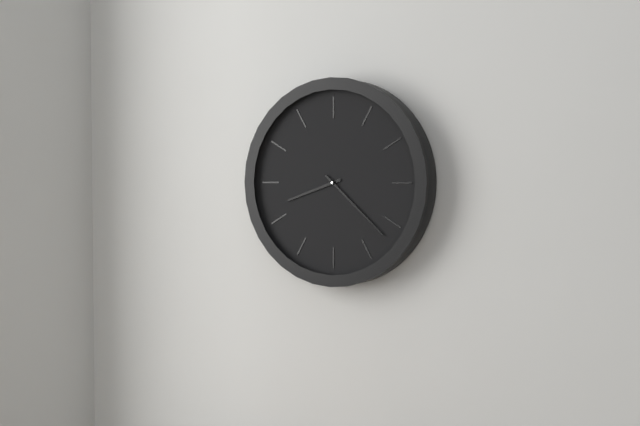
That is 8h22
